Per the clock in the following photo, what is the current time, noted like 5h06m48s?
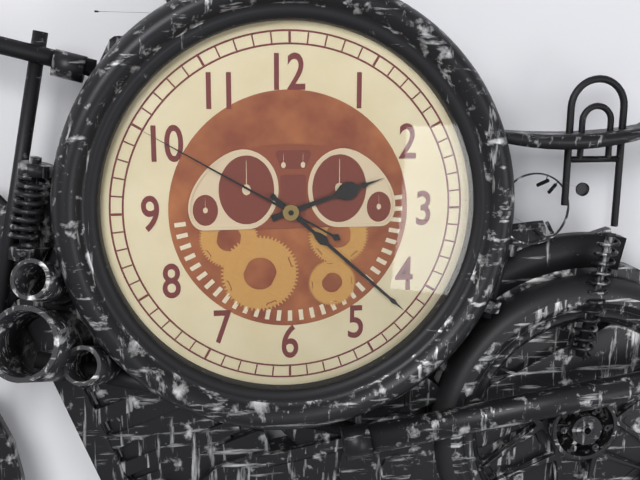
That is 2h22m50s
